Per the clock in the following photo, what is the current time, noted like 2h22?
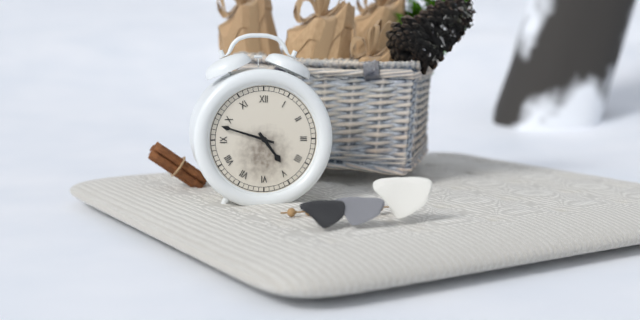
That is 4h48
